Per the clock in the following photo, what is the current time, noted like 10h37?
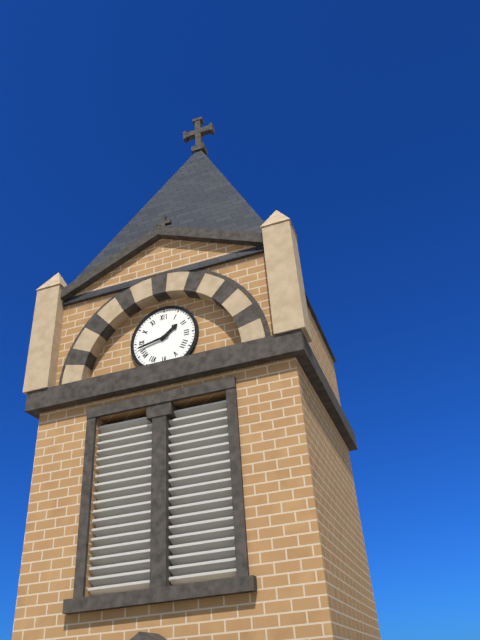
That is 1h43
